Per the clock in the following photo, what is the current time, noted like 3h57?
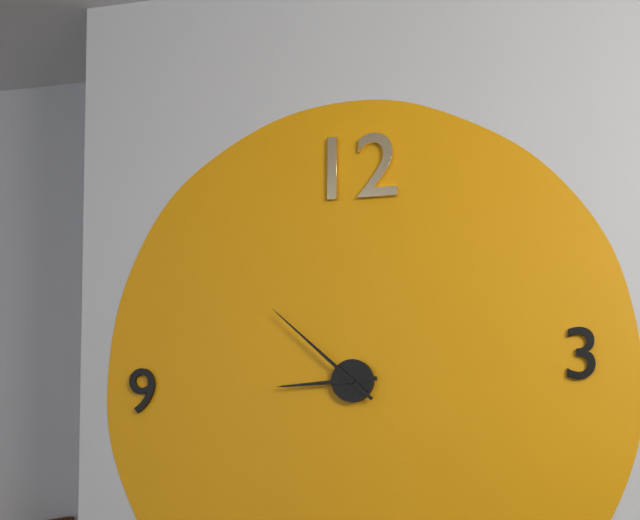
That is 8h52
